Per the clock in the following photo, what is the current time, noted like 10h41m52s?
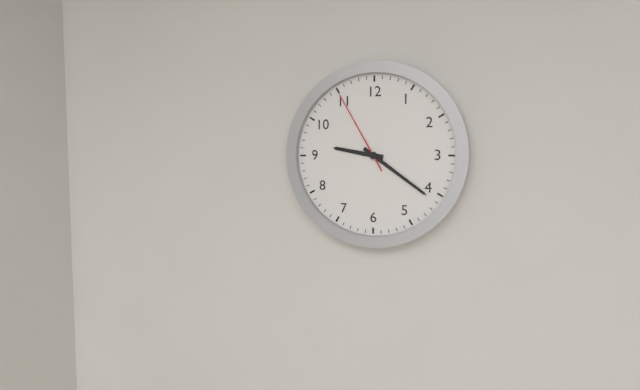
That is 9h21m55s
